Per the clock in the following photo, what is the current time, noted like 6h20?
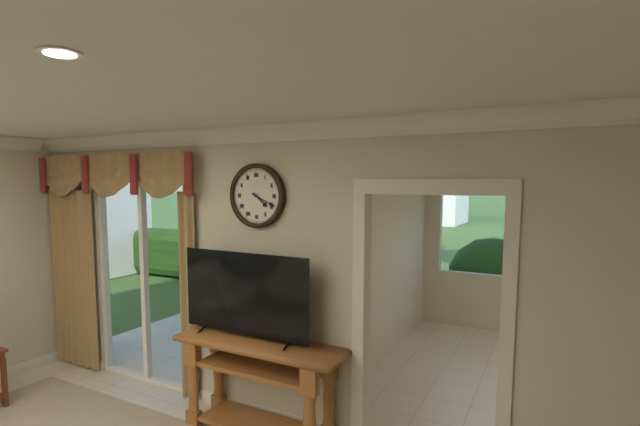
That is 4h19
